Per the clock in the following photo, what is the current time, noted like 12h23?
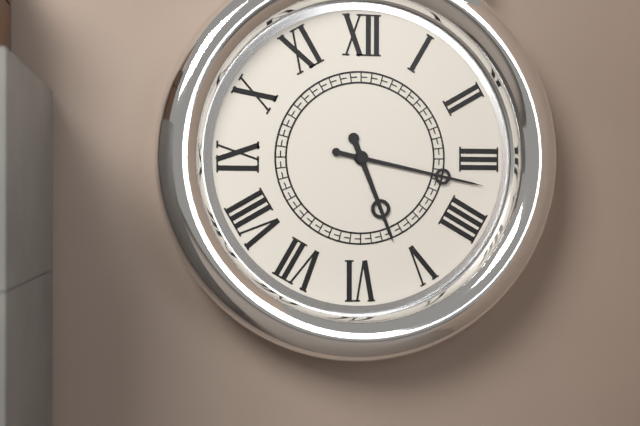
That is 5h17
